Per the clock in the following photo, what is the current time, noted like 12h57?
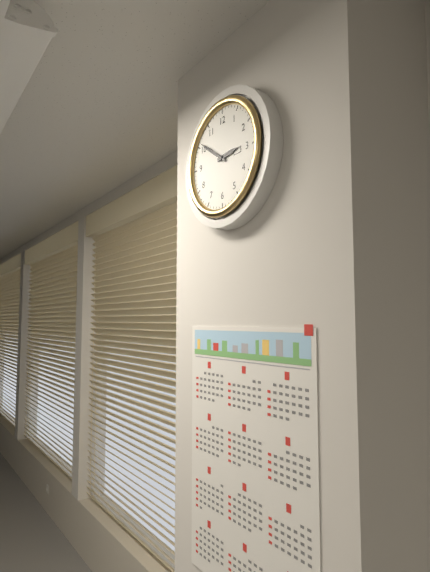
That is 2h51
